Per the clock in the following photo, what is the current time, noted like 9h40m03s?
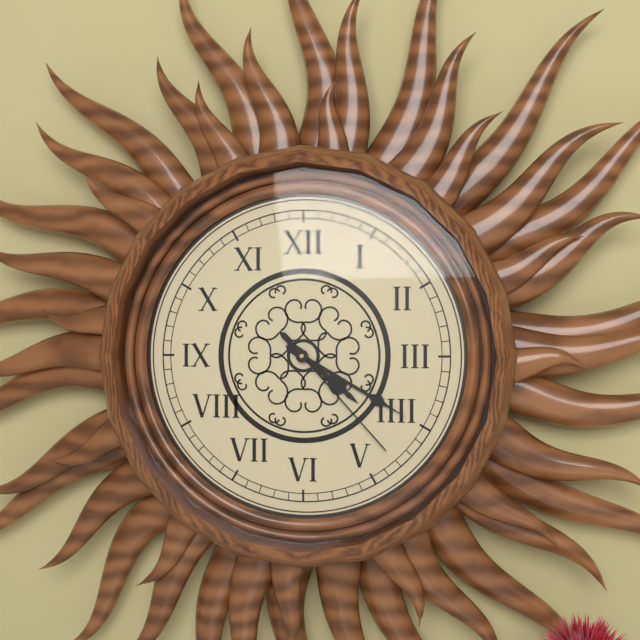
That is 4h20m23s
